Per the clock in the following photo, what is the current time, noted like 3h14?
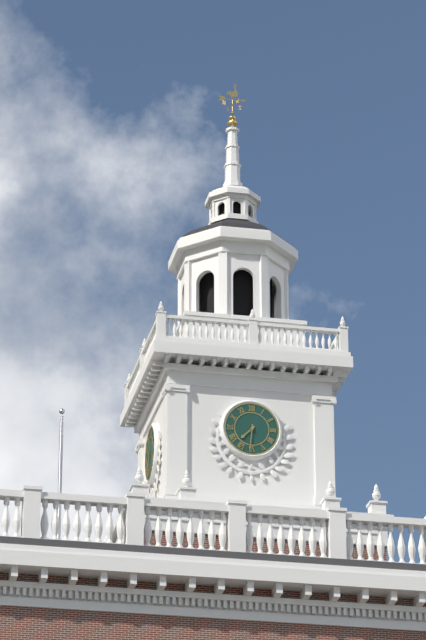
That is 7h31
